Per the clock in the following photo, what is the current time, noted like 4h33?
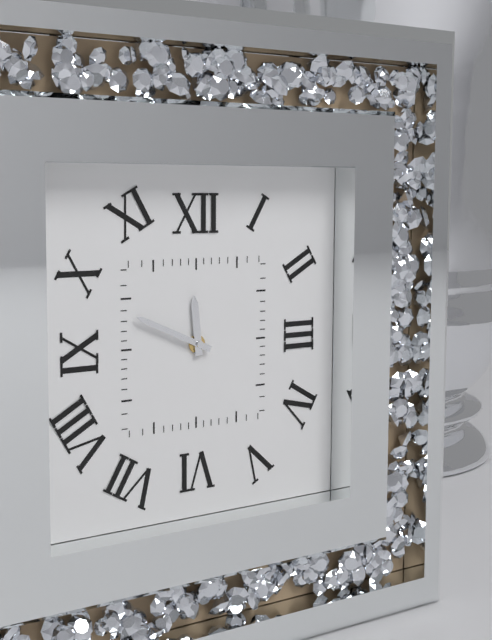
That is 11h49
